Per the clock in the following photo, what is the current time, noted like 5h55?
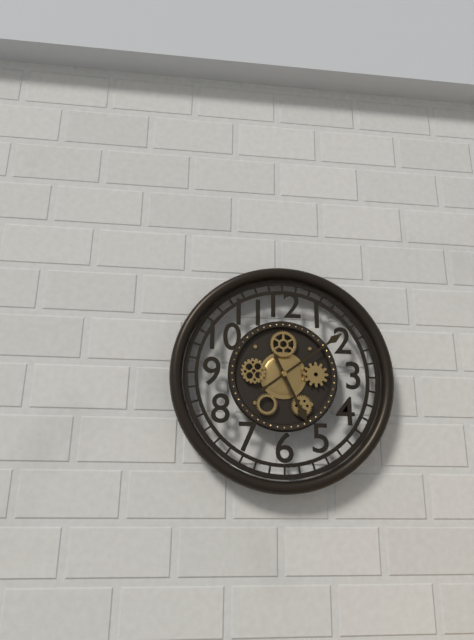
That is 5h09
